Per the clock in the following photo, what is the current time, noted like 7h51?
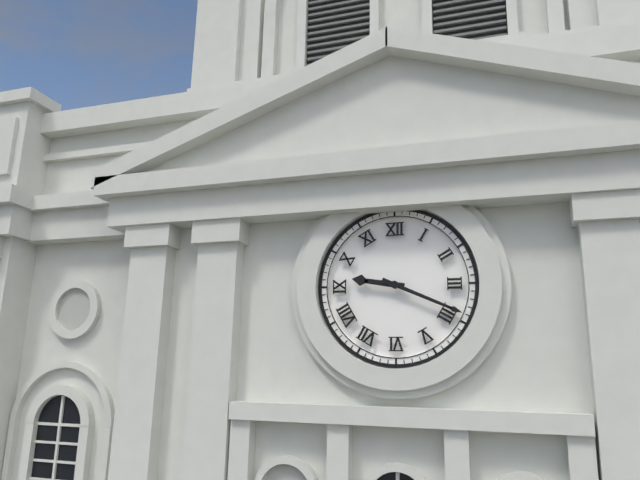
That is 9h19
